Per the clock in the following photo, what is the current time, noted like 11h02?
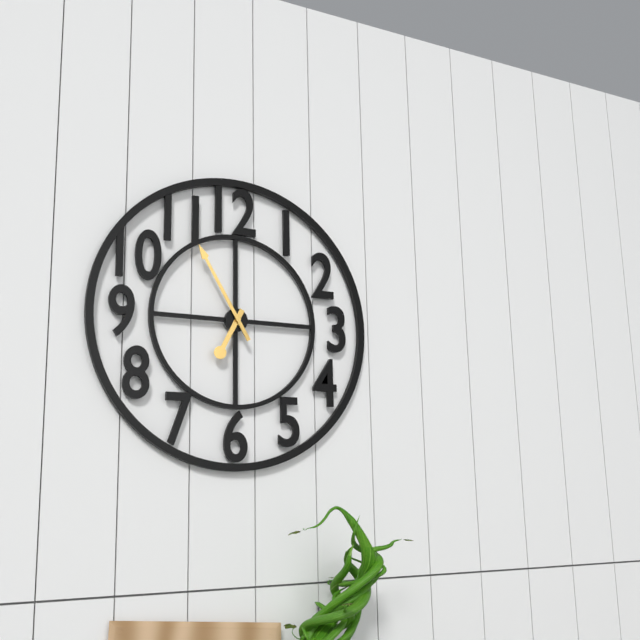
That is 6h55
